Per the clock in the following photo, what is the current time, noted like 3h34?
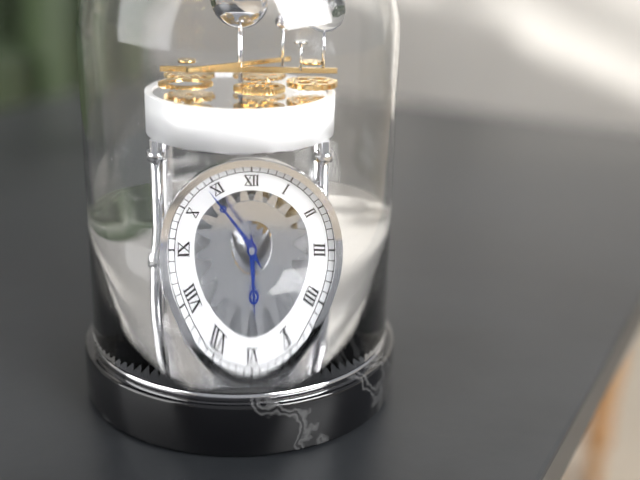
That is 5h54
